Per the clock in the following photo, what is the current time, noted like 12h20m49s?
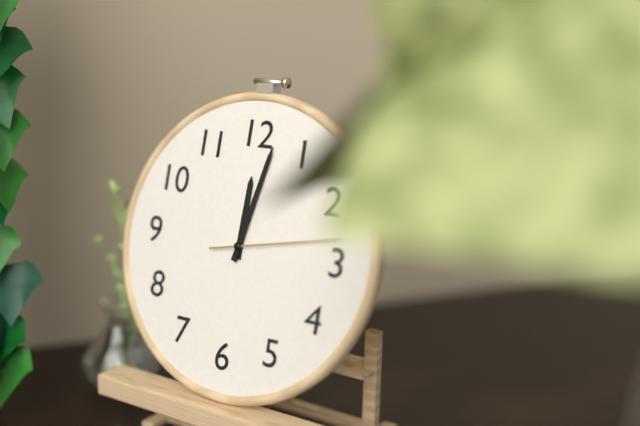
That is 12h02m13s
